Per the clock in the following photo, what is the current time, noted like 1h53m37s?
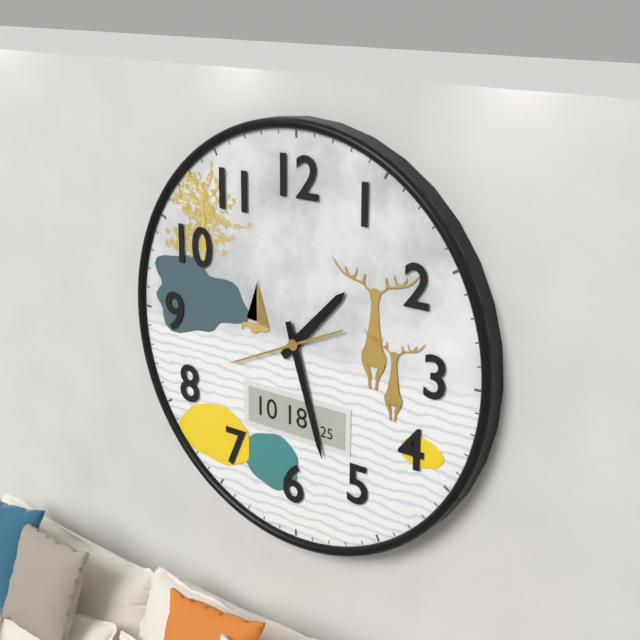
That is 1h27m41s
